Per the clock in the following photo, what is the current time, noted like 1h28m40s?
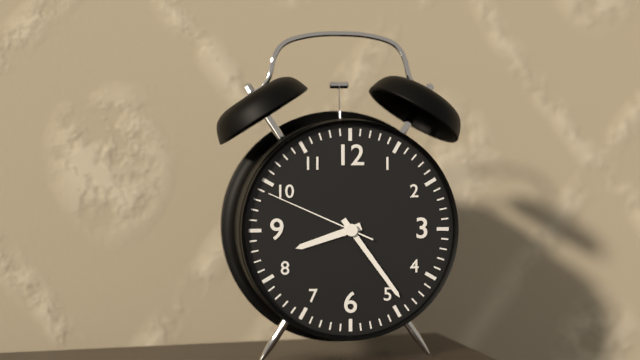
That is 8h24m49s
